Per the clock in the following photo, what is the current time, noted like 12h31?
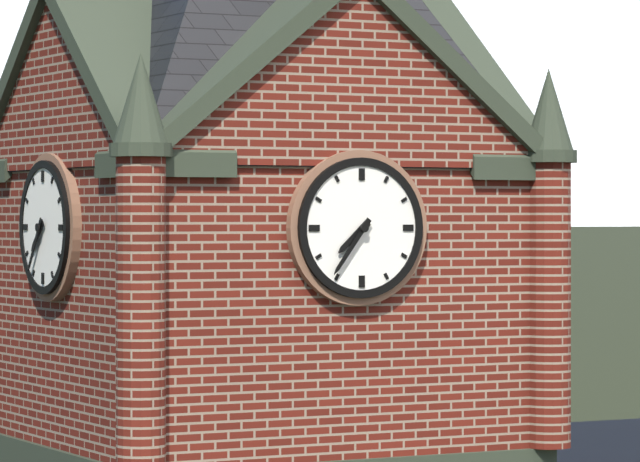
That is 7h36
